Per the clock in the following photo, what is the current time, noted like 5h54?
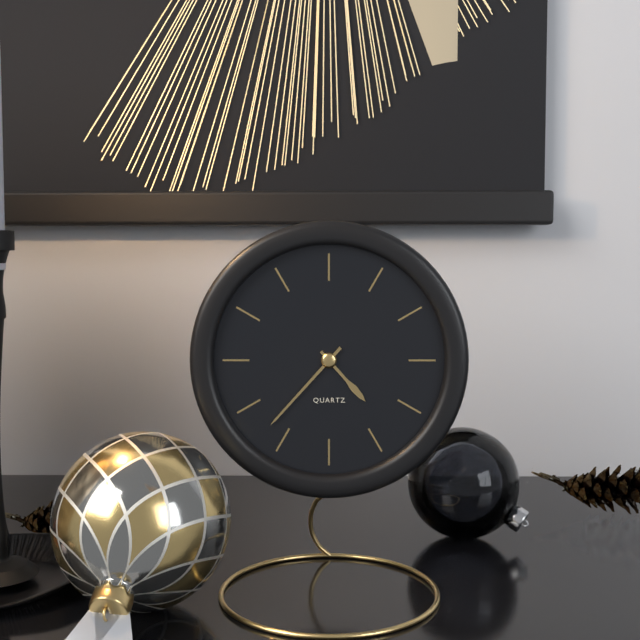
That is 4h37
